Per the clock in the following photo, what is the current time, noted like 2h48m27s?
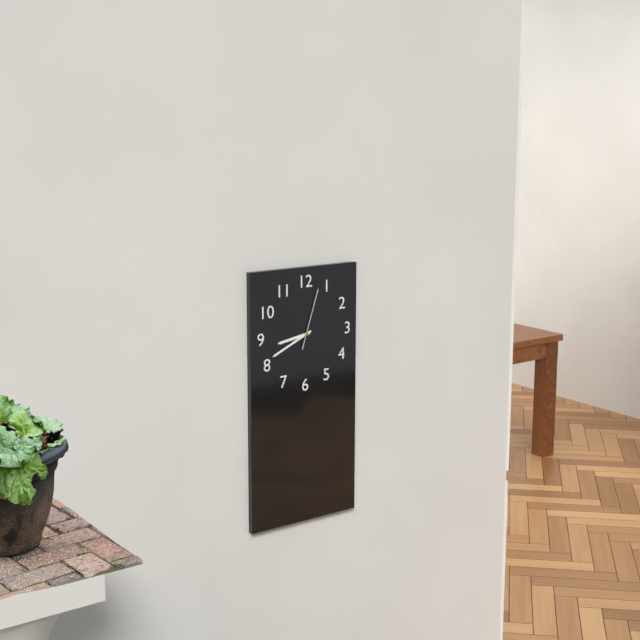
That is 8h41m03s
